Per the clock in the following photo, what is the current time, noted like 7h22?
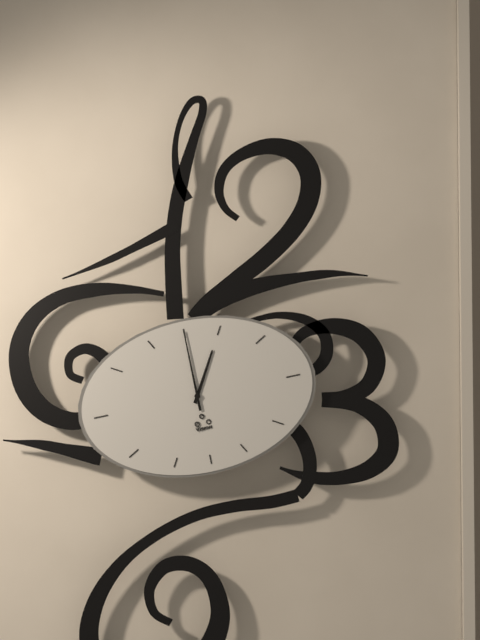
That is 1h00
